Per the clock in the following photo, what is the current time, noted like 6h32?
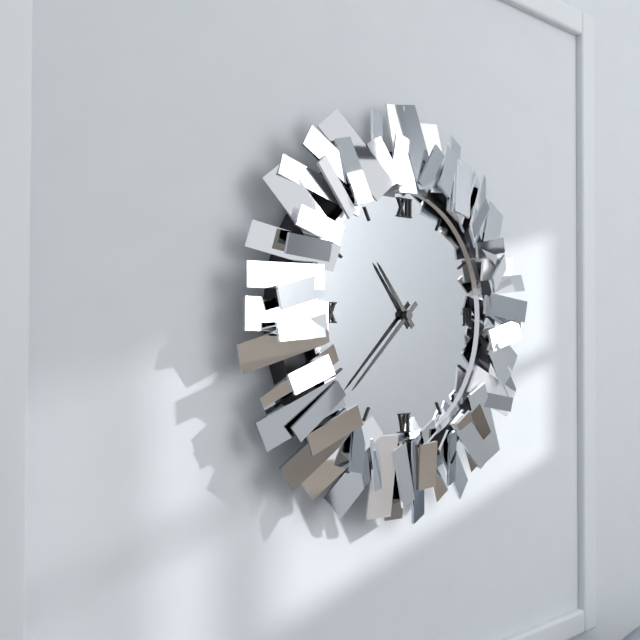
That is 10h38
